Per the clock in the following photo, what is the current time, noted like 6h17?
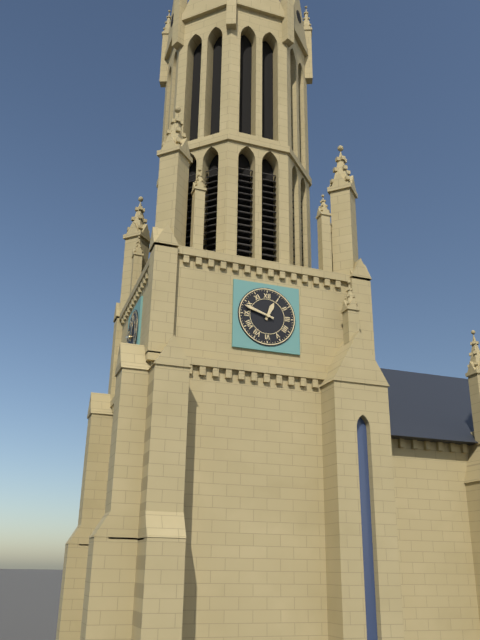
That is 12h48
